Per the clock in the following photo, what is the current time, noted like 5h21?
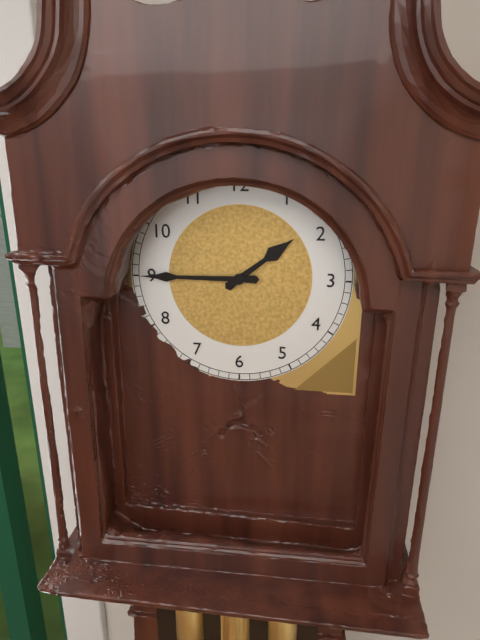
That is 1h45
